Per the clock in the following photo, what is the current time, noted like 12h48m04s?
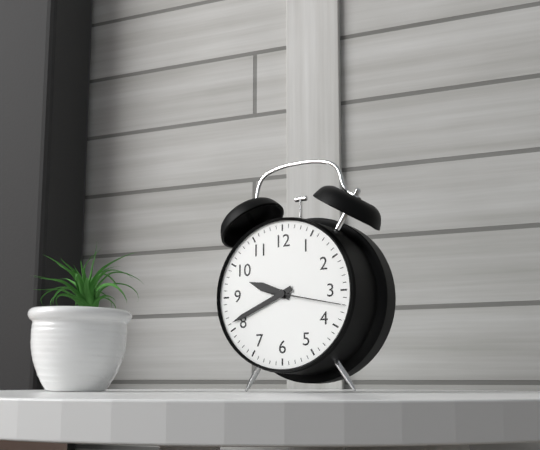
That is 9h41m17s
